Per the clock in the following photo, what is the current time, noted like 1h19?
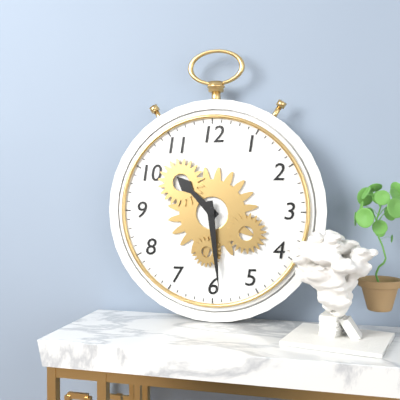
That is 10h29
